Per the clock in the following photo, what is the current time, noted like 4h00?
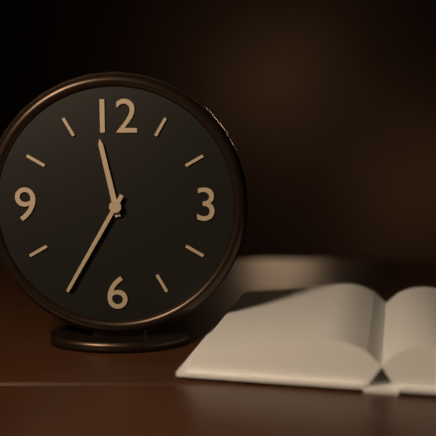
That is 11h35
